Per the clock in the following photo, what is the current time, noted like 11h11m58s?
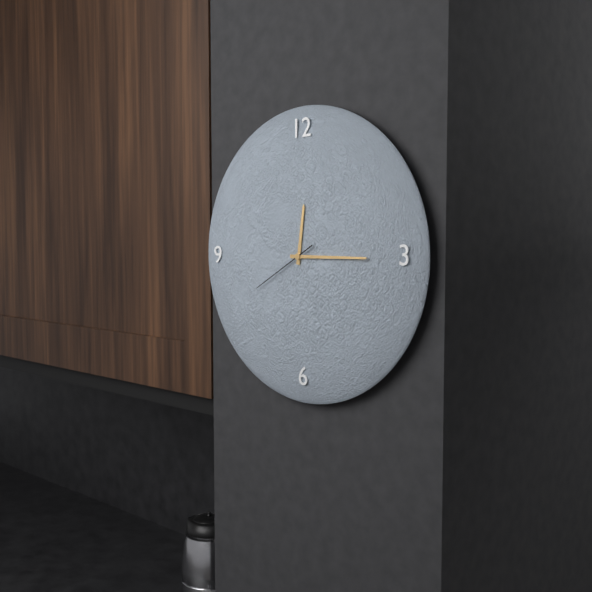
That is 12h15m40s
